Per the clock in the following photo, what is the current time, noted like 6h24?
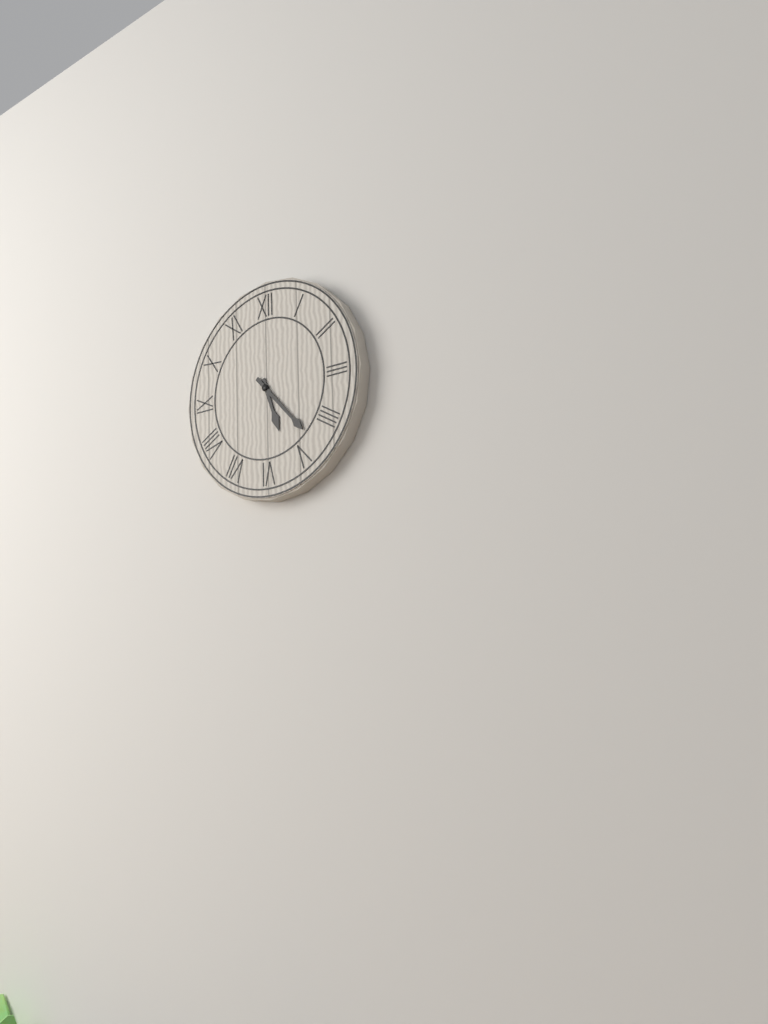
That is 5h23
